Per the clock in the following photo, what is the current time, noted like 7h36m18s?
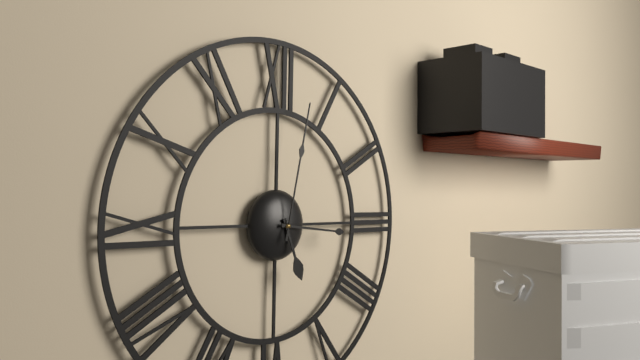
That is 5h16m02s
